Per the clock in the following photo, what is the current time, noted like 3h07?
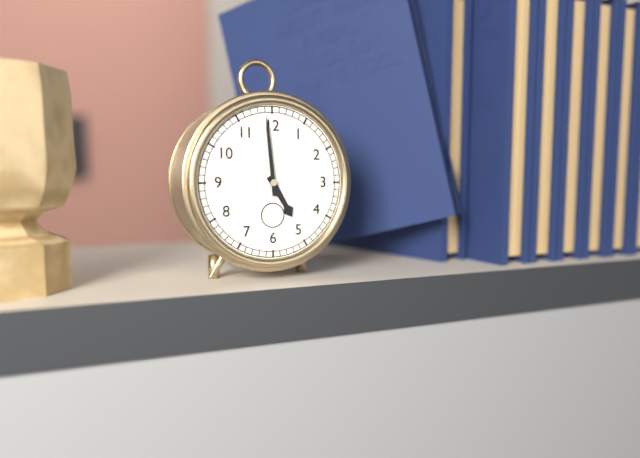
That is 4h59
